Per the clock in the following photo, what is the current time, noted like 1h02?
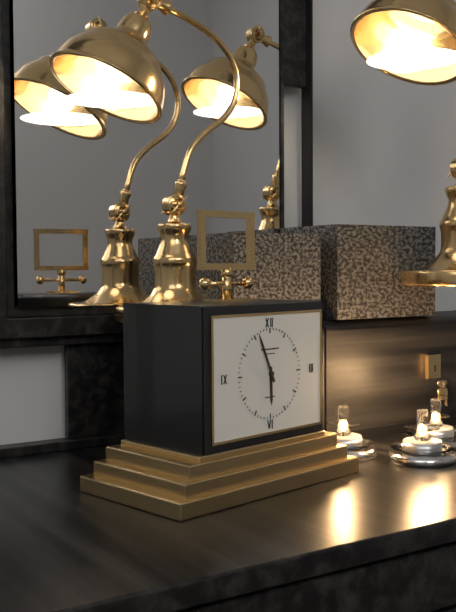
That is 5h56
